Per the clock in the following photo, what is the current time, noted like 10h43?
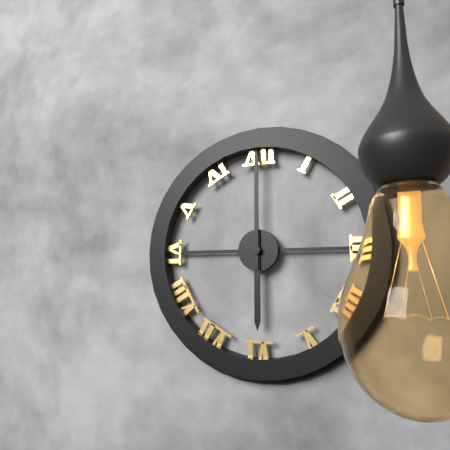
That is 6h00
